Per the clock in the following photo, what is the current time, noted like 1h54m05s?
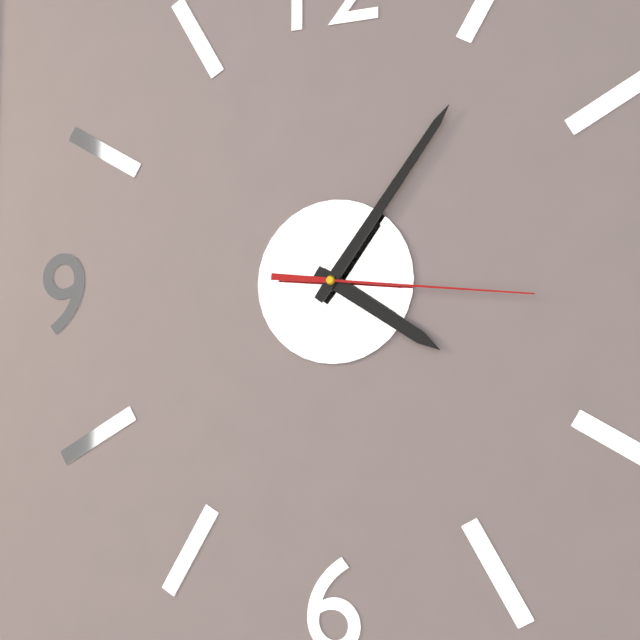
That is 4h06m16s
